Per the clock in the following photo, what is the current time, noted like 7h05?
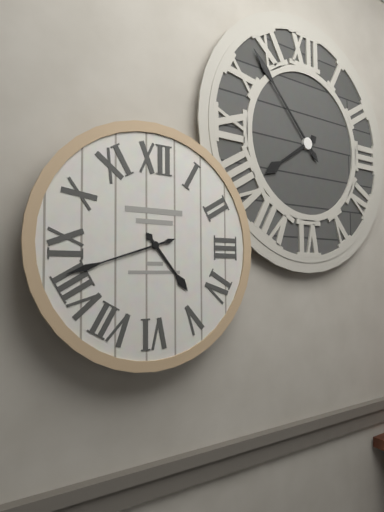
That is 4h42
